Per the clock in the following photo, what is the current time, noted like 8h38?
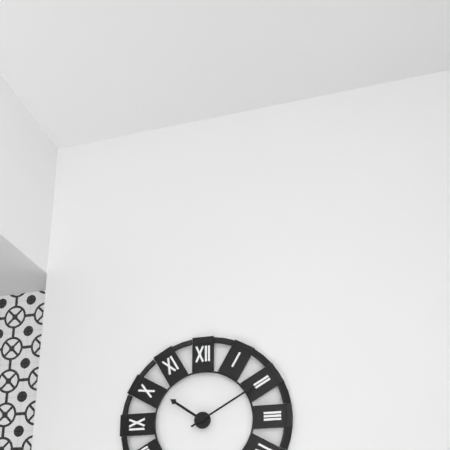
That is 10h10
